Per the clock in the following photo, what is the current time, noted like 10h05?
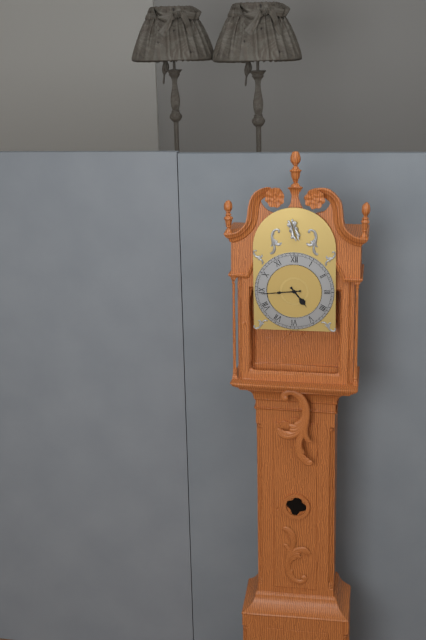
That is 4h44
